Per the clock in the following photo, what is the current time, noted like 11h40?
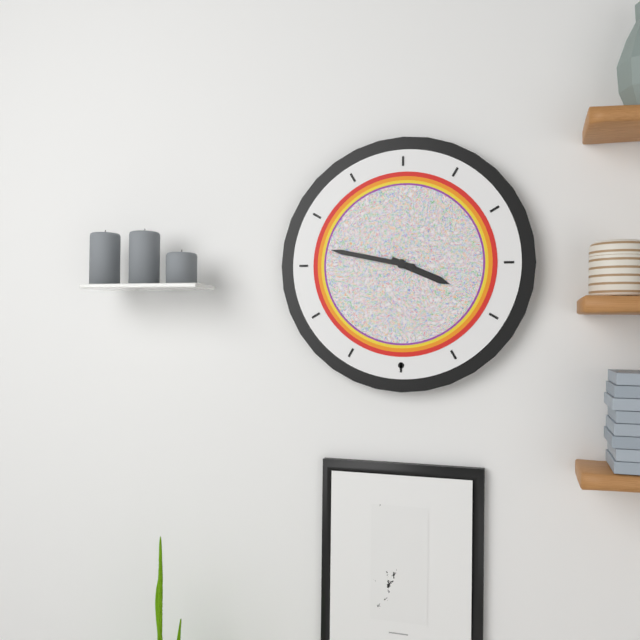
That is 3h47
